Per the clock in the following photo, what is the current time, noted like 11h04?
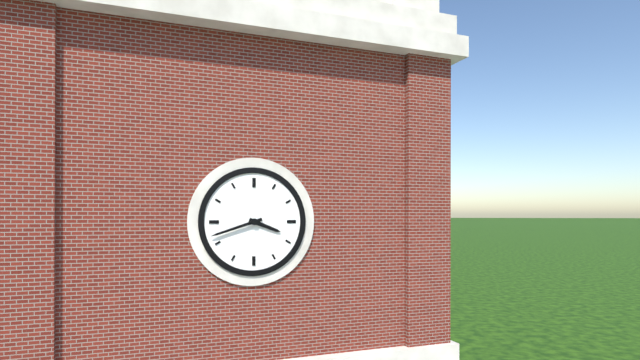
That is 3h42
